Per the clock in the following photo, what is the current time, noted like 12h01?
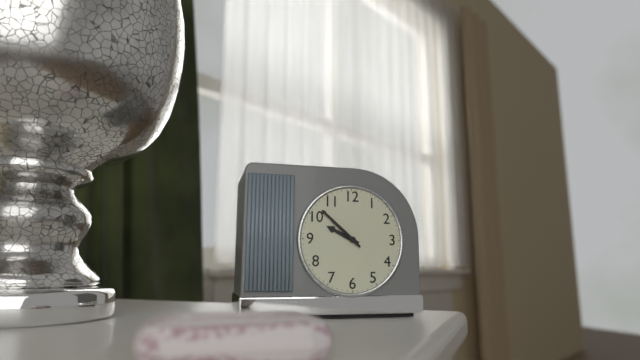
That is 9h52
